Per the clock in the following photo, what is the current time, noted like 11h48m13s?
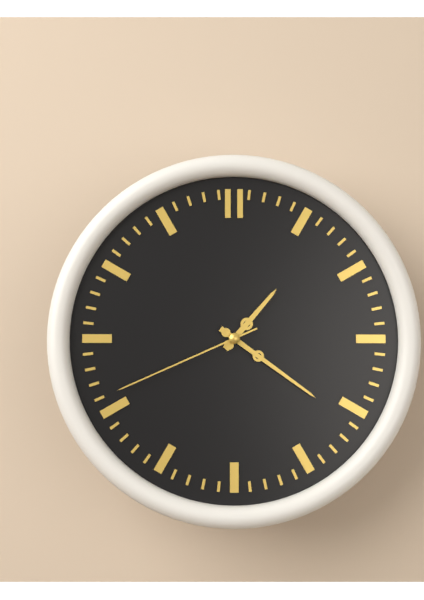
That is 1h21m41s
